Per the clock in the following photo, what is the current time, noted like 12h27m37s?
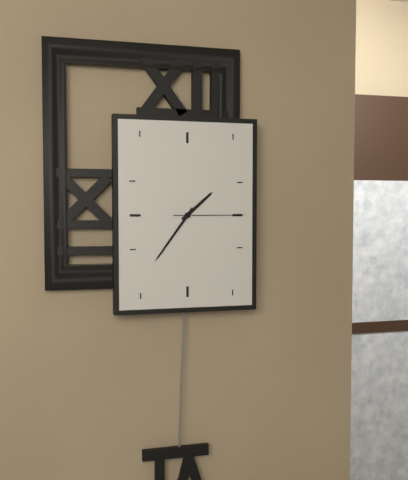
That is 1h36m15s
